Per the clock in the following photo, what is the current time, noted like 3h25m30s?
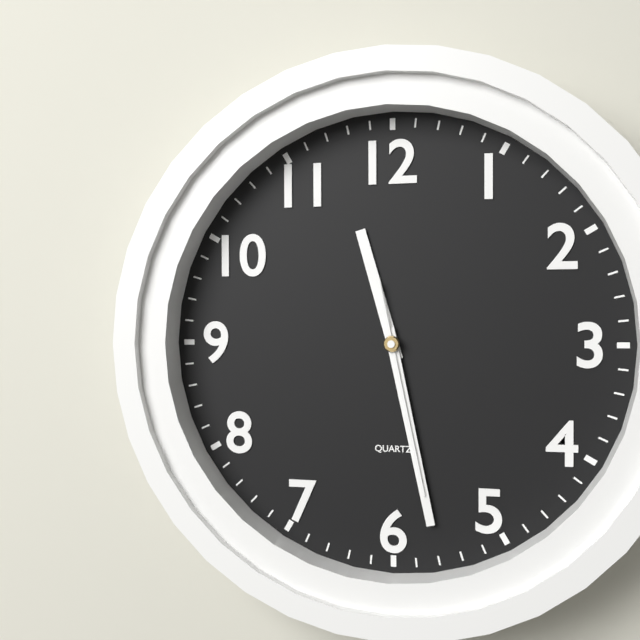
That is 11h28m28s
